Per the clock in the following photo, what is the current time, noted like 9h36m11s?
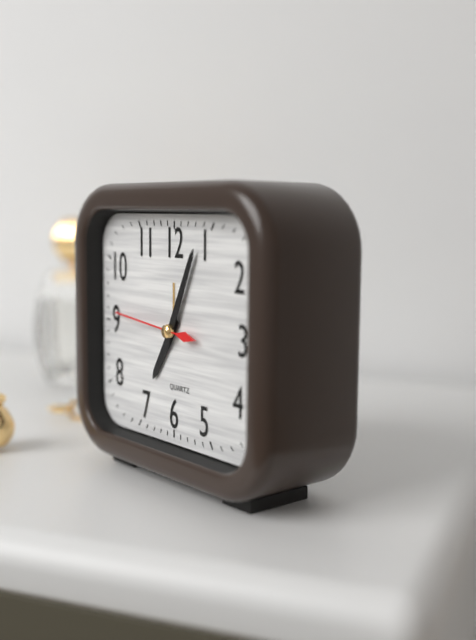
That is 7h04m46s
